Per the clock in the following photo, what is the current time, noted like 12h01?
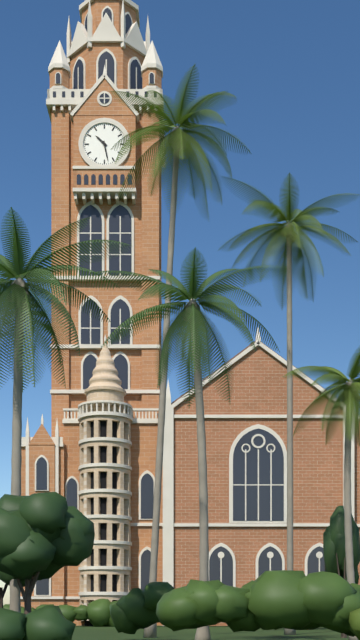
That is 10h28
